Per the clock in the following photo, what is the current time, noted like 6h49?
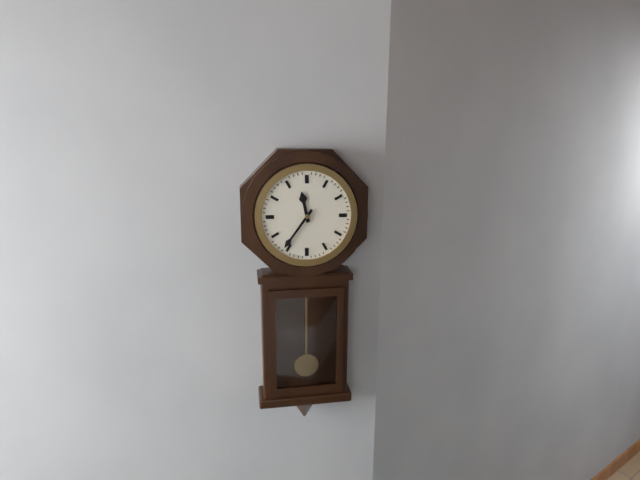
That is 11h36
